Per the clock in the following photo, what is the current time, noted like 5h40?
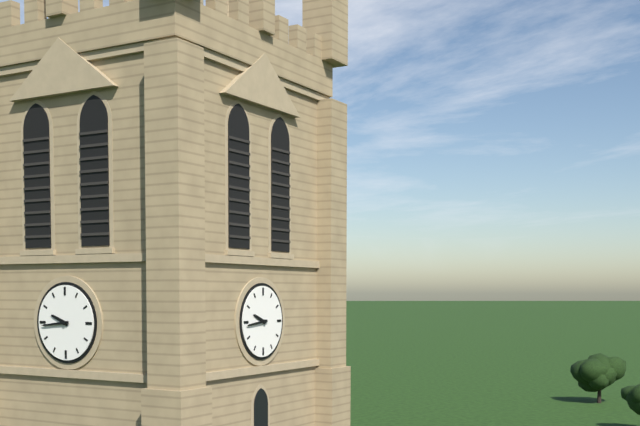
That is 9h44
